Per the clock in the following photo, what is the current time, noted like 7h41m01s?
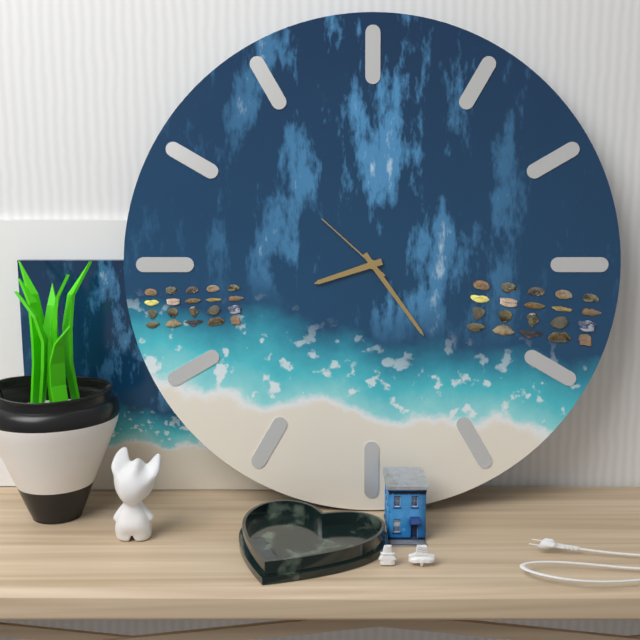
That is 8h24m52s
